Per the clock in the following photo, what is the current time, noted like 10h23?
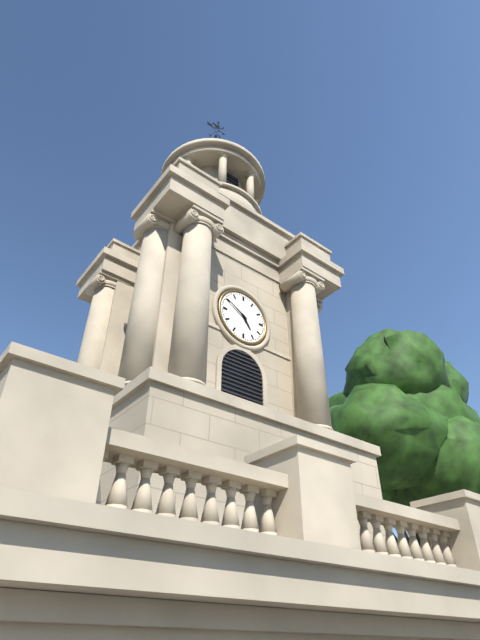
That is 4h50
